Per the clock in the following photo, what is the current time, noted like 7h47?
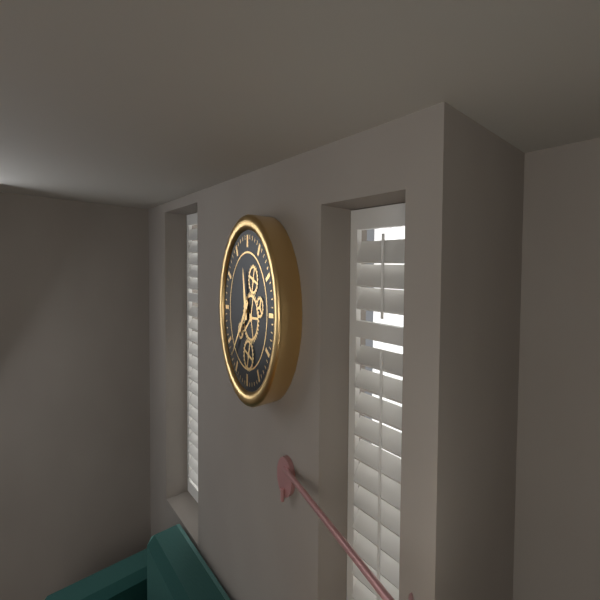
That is 11h37
